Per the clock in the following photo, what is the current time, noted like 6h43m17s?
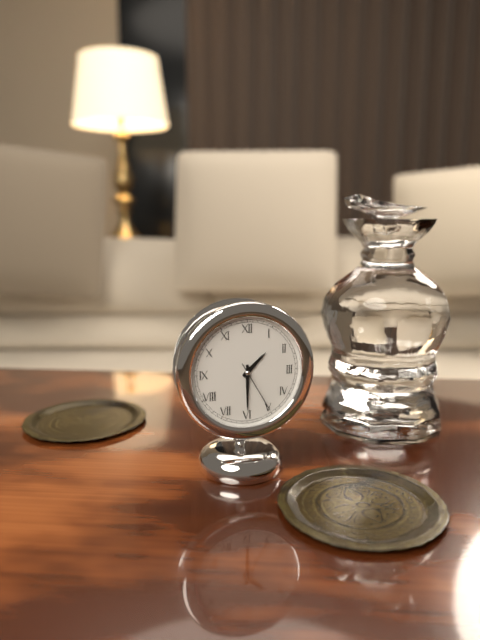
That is 1h30m25s
